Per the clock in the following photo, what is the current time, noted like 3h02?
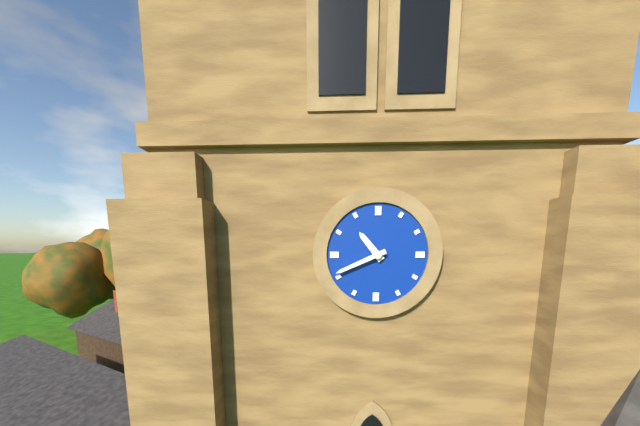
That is 10h41
